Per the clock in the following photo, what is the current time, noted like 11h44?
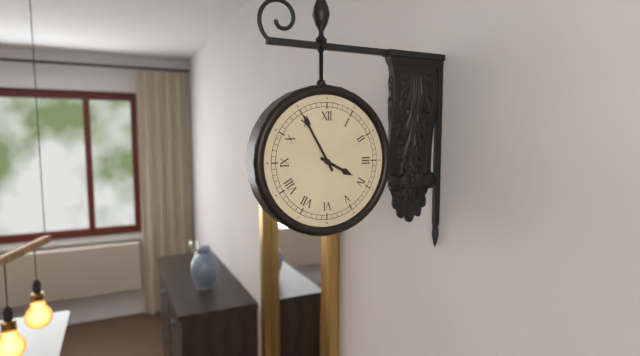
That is 3h55
